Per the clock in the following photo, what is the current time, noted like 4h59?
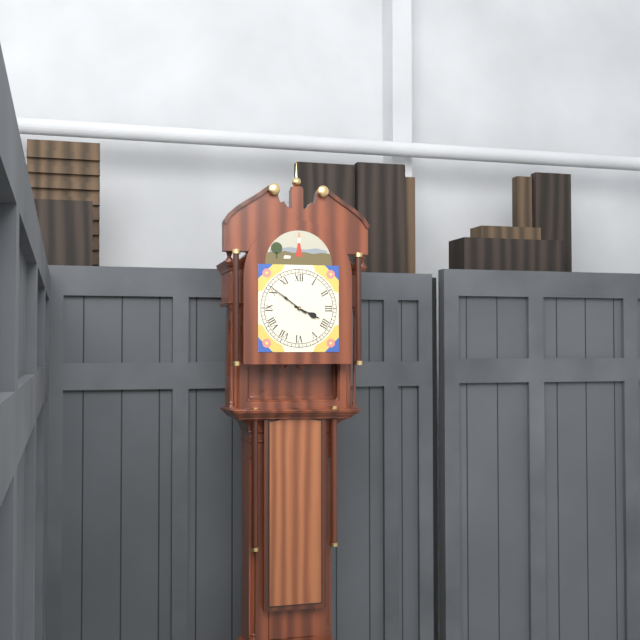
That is 3h51
